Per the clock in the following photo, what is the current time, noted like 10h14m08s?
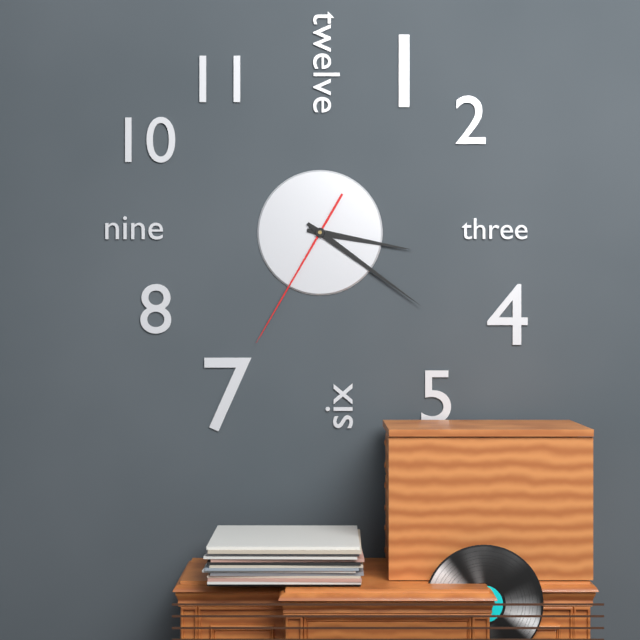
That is 3h21m35s
